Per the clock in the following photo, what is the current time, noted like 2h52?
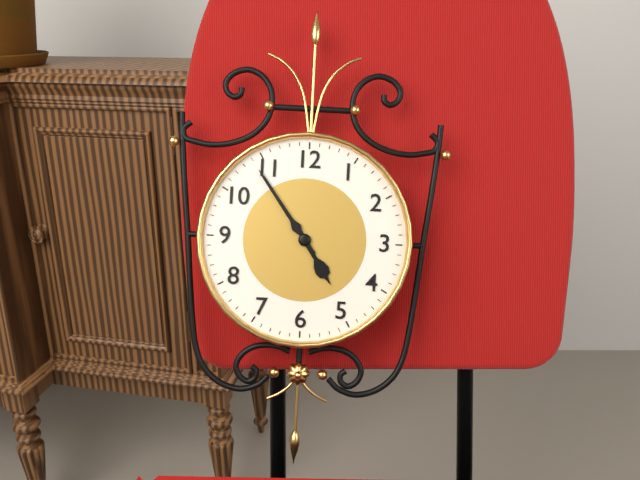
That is 4h54
